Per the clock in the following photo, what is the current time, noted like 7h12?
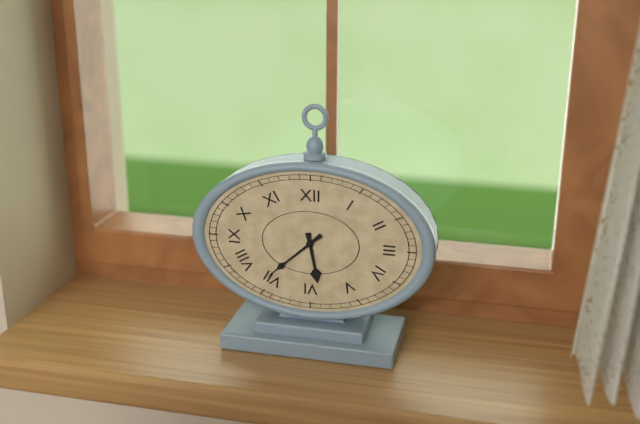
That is 5h38
